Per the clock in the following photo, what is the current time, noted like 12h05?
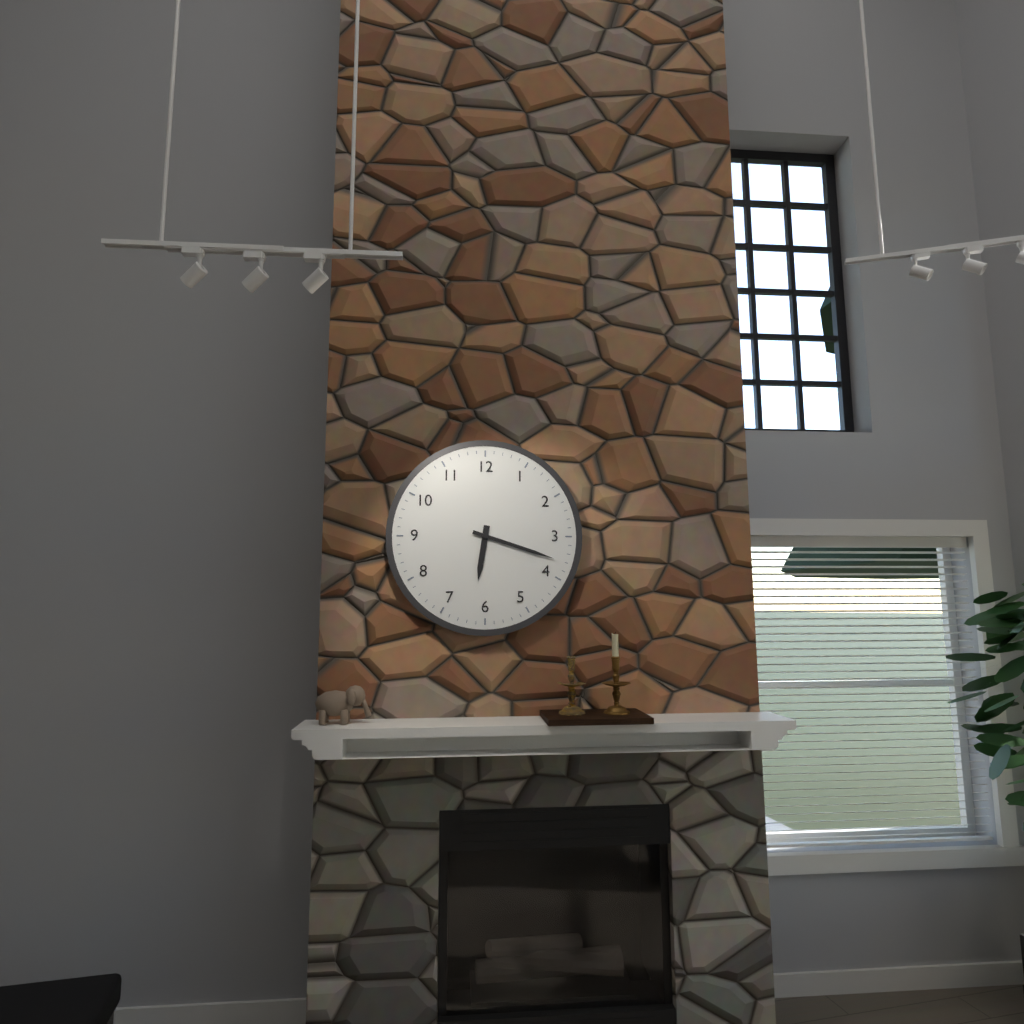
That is 6h18
